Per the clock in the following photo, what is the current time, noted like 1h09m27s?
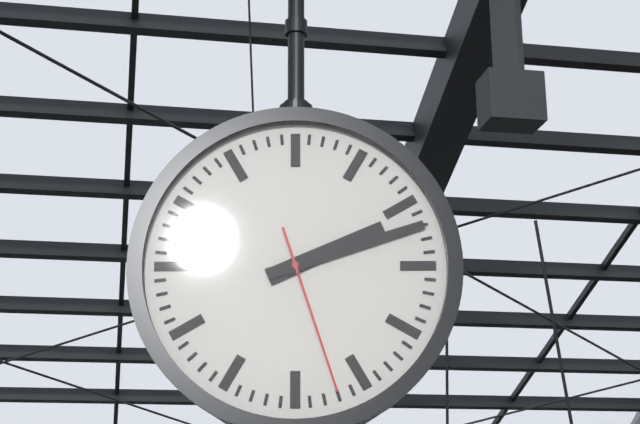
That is 2h12m27s
